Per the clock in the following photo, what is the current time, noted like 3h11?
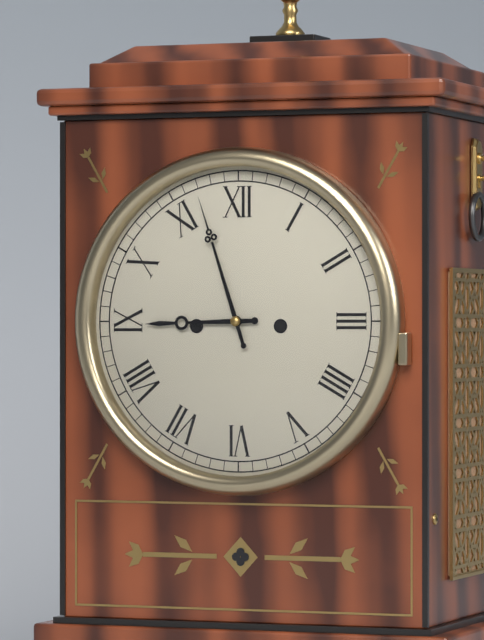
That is 8h57
